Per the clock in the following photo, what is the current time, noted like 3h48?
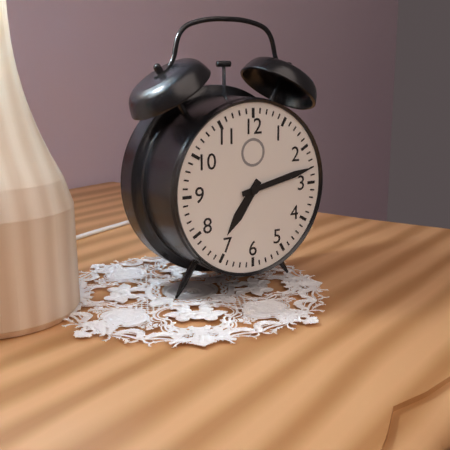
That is 7h13
